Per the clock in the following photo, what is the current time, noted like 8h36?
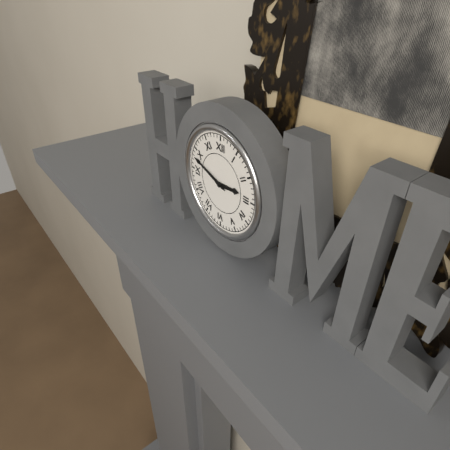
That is 2h48
